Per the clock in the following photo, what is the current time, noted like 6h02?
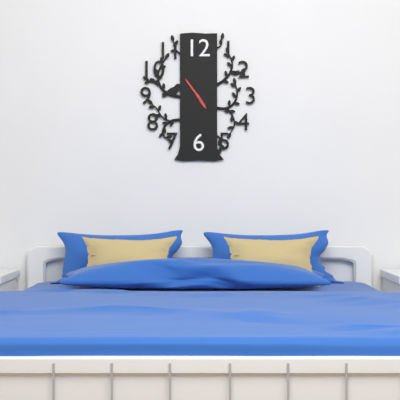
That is 4h54
